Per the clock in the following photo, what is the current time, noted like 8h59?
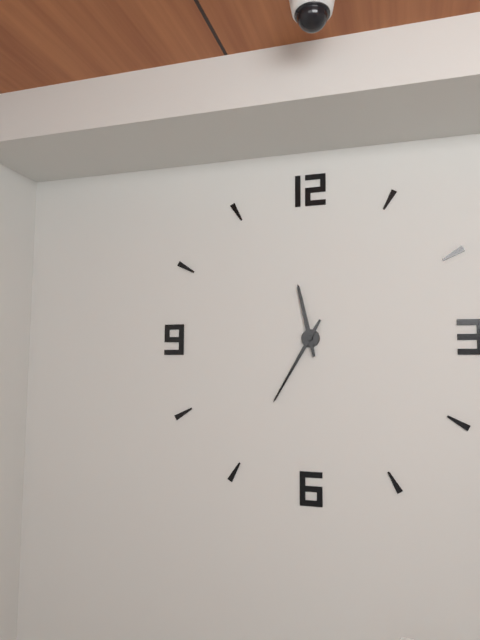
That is 11h35
